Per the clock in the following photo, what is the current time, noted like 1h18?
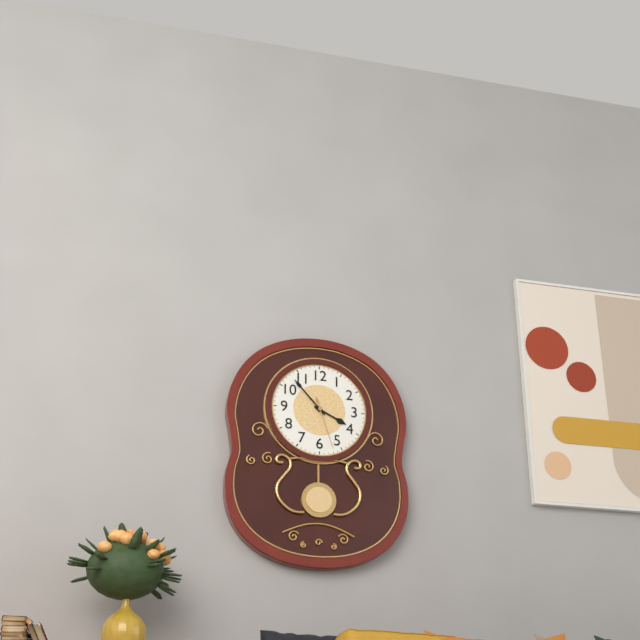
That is 3h53
